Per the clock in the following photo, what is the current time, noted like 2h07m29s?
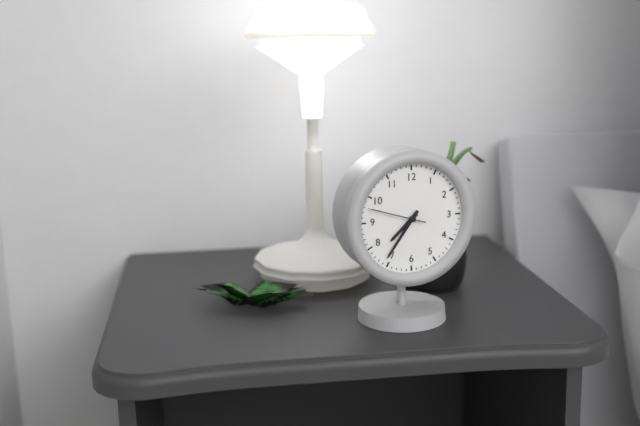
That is 7h36m48s
